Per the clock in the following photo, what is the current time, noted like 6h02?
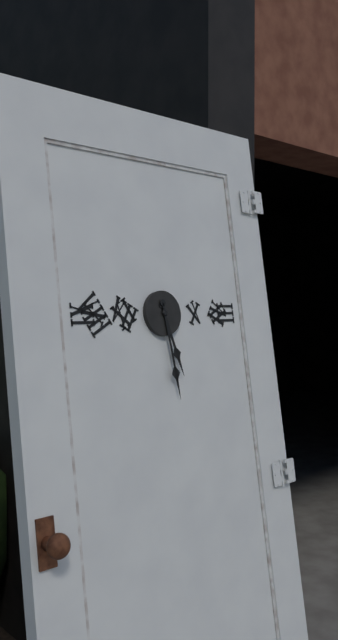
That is 5h29
